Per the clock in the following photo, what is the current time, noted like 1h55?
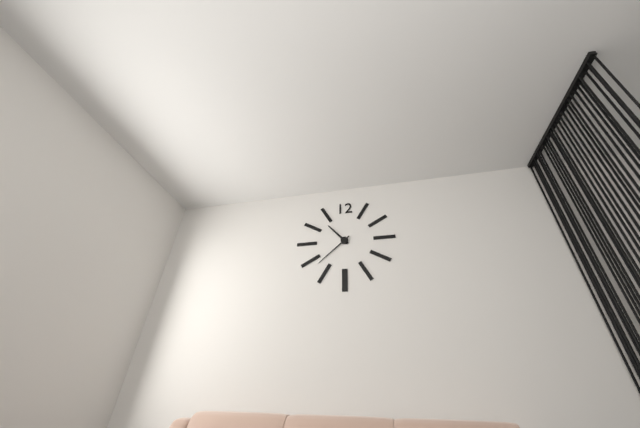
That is 10h38
